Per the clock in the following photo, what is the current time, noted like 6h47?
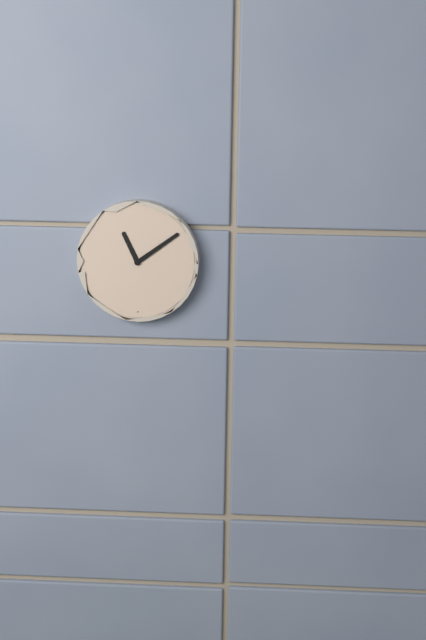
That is 11h09
